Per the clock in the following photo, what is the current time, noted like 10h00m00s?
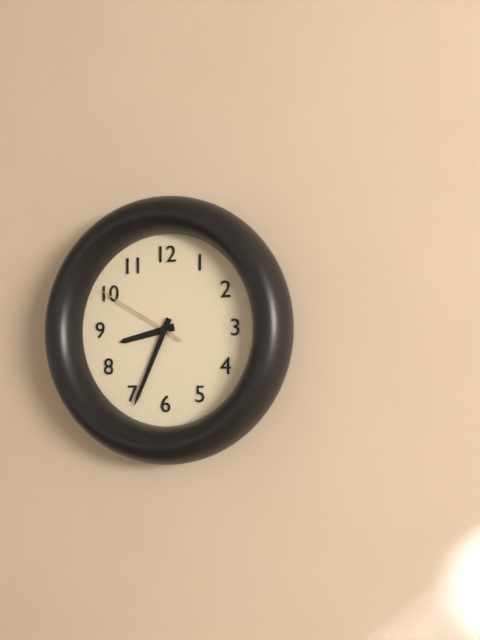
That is 8h34m50s
